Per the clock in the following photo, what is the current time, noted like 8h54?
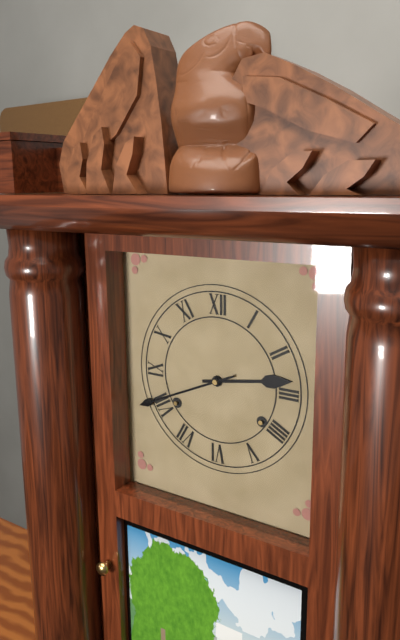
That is 2h41
